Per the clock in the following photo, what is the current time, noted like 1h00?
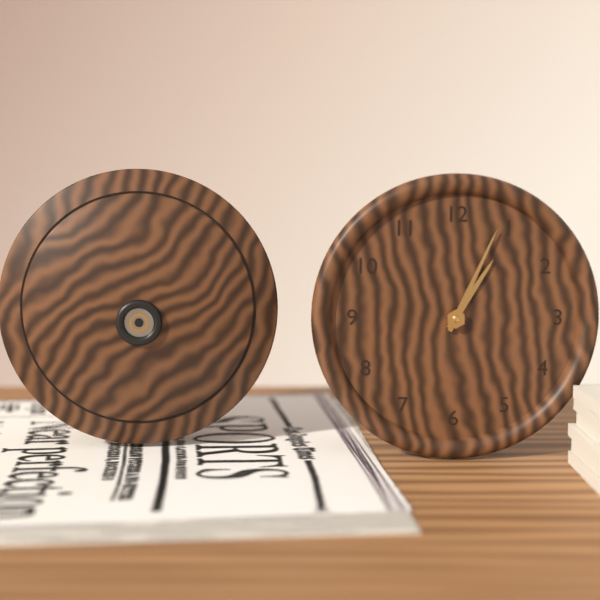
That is 1h04
